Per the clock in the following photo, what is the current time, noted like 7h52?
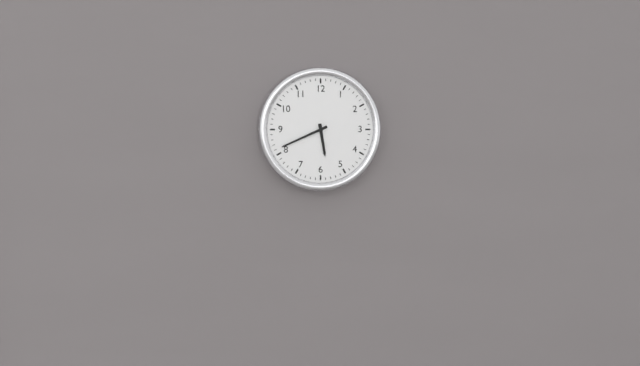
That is 5h41
